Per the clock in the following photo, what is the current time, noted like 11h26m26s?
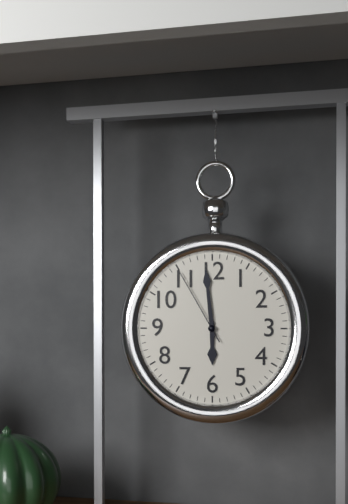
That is 5h59m55s
